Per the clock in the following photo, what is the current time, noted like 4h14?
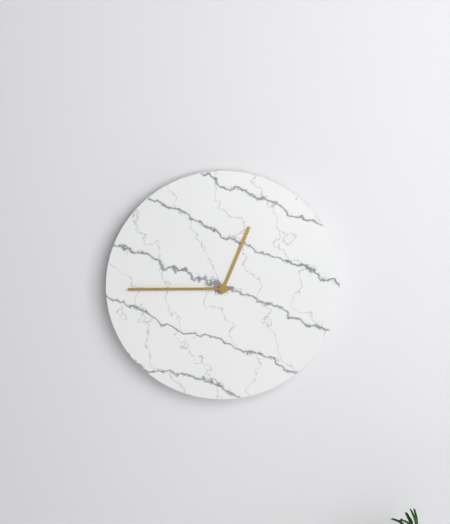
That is 12h45
